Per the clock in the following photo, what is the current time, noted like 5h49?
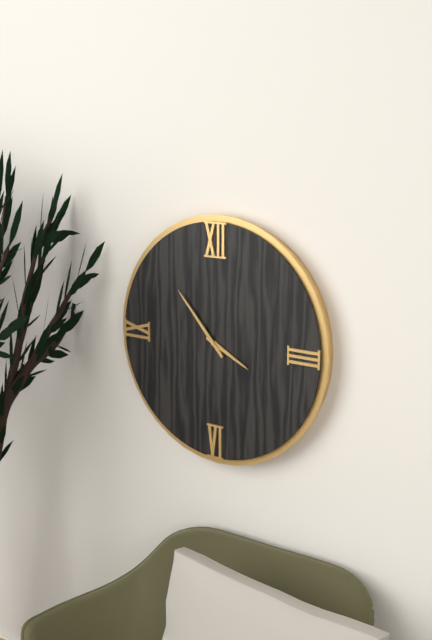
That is 3h53
